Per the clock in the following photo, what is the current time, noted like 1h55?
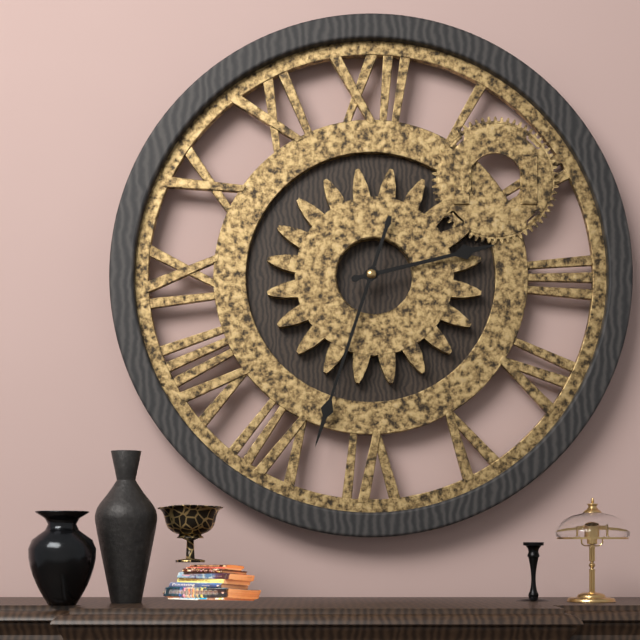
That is 2h33
